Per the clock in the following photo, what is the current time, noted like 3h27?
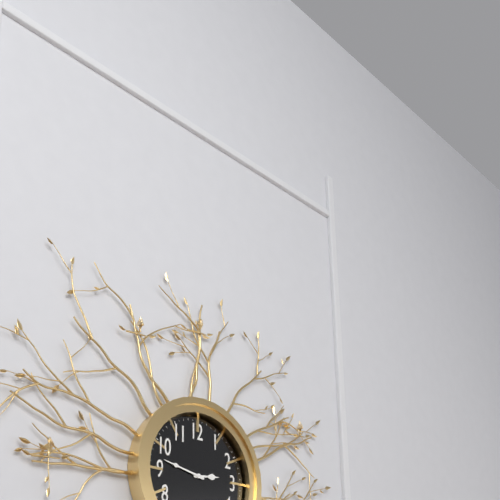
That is 2h47
